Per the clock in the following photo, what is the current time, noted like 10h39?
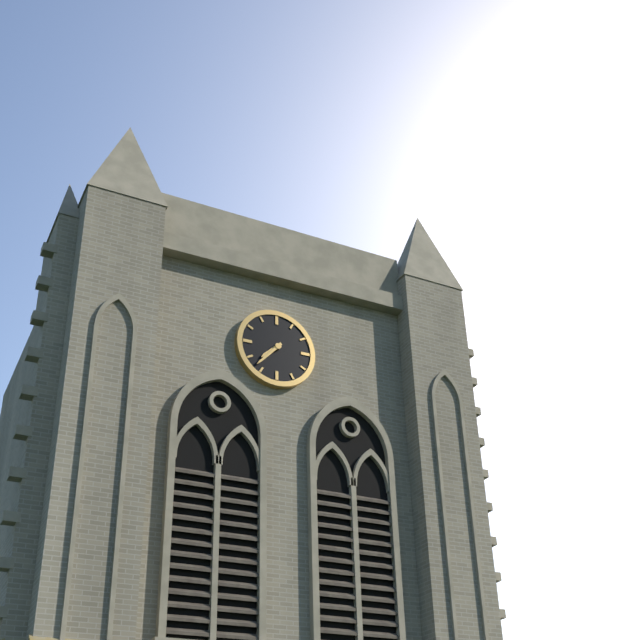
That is 7h37
